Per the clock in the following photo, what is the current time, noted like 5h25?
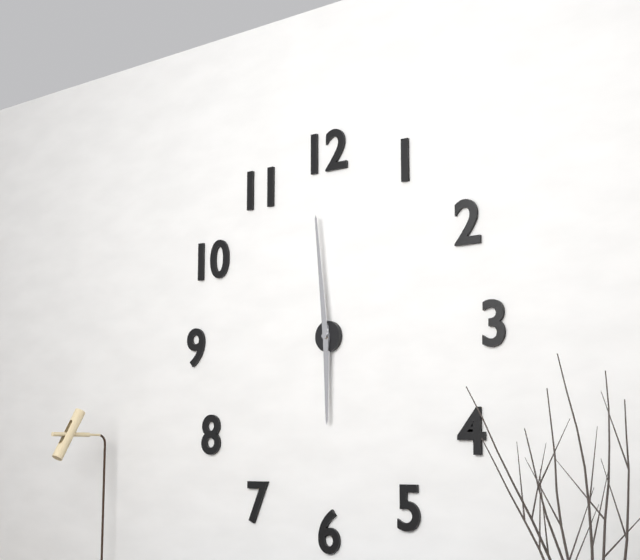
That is 5h59
